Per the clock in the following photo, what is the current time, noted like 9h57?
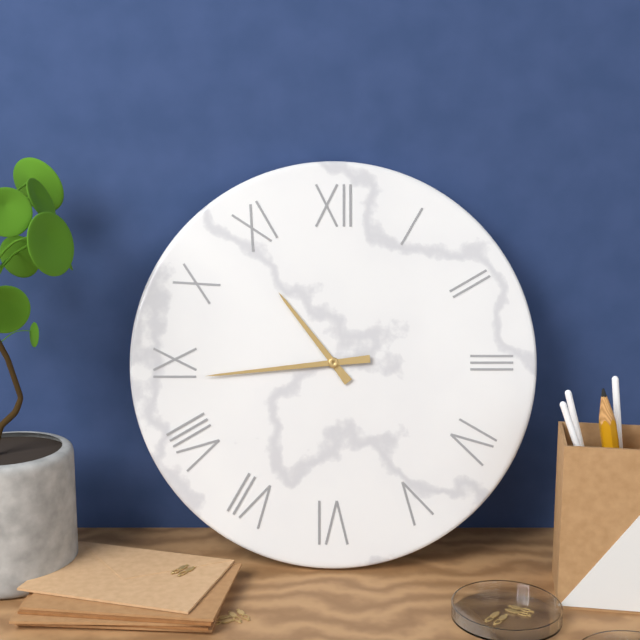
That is 10h44
